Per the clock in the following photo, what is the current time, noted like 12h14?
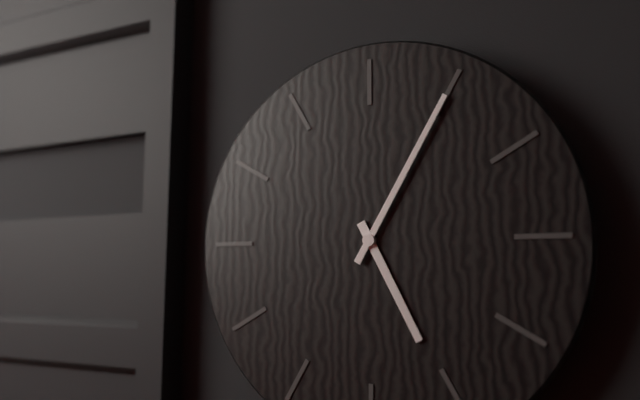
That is 5h05
